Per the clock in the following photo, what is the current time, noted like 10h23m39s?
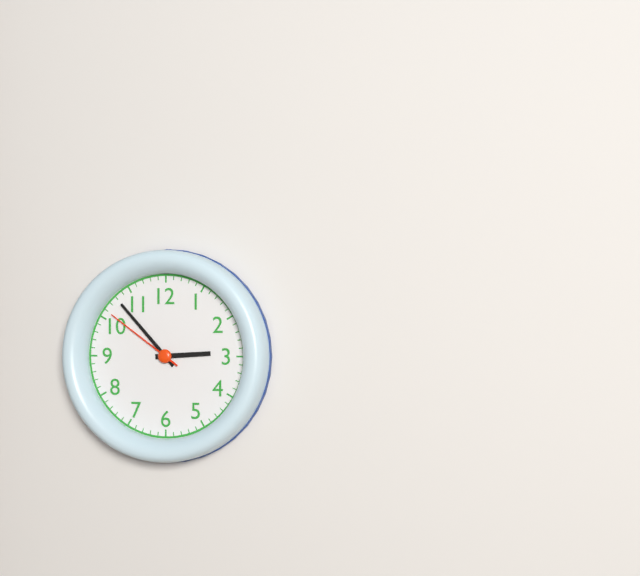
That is 2h53m51s
